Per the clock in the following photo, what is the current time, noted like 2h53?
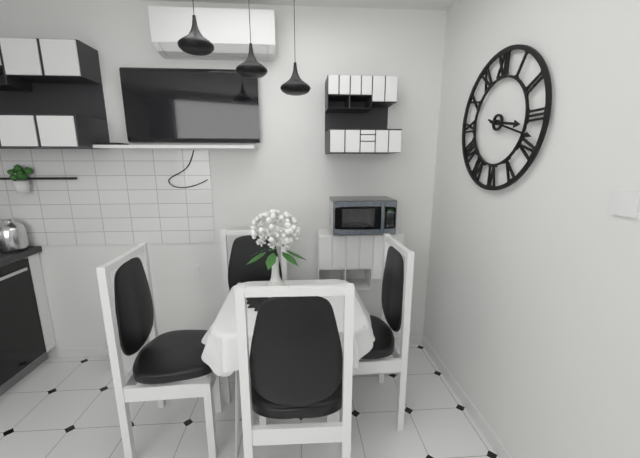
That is 3h18
